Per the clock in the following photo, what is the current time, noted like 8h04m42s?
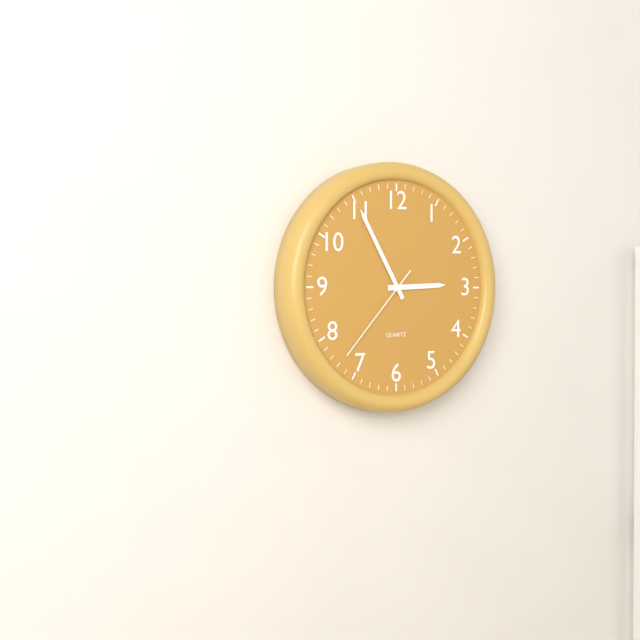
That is 2h55m37s
